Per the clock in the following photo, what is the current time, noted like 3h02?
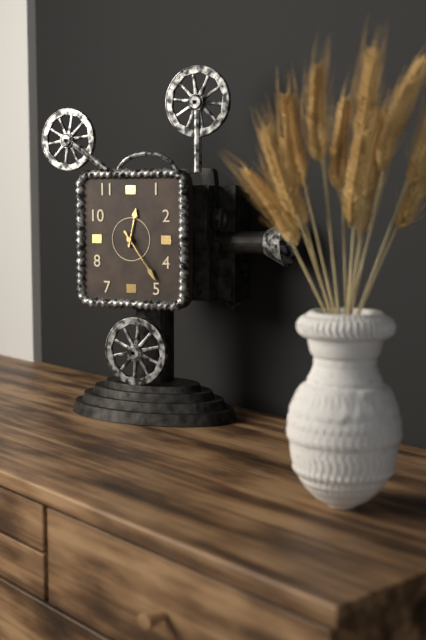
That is 12h24
